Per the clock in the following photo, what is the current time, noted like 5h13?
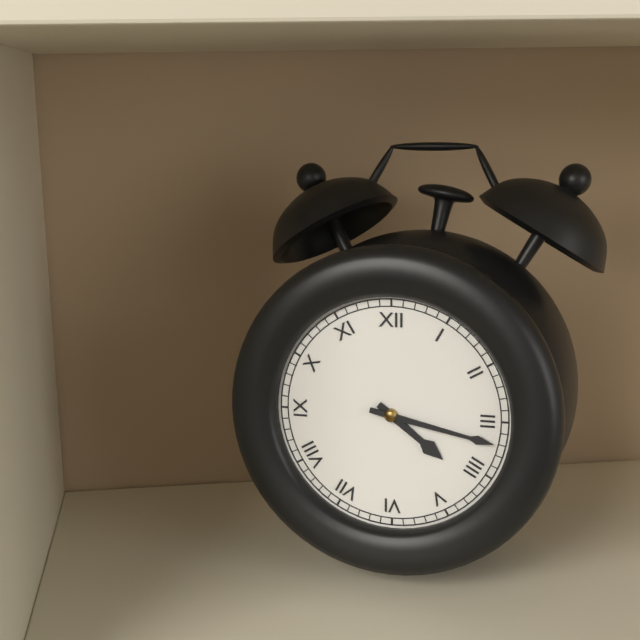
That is 4h17
